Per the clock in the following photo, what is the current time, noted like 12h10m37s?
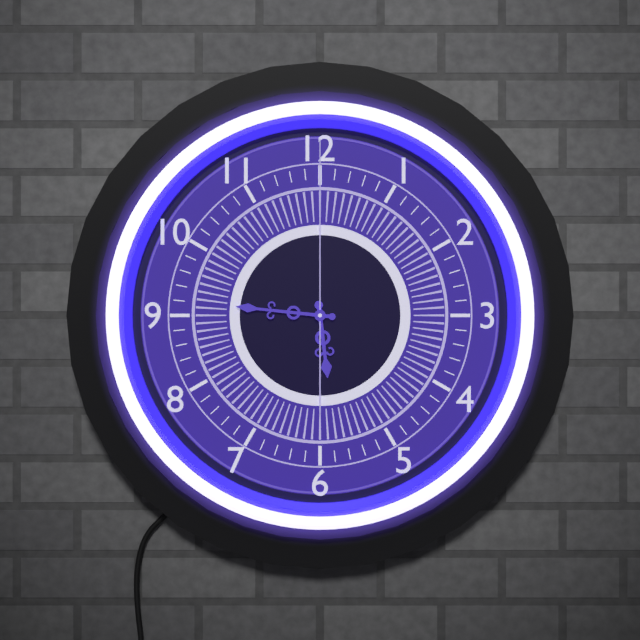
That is 5h46m00s
